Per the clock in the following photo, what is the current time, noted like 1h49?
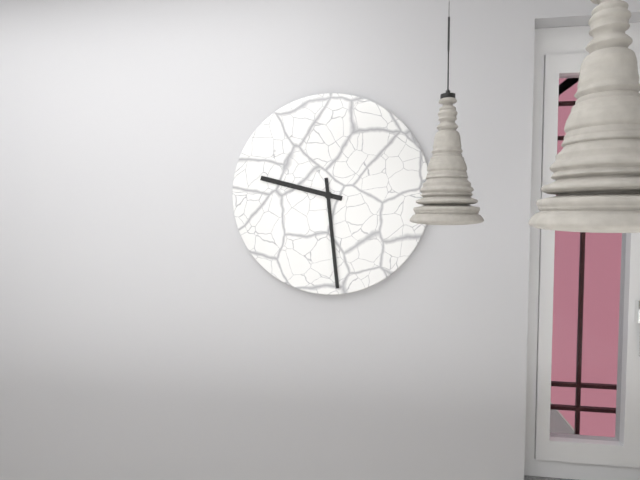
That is 9h29
